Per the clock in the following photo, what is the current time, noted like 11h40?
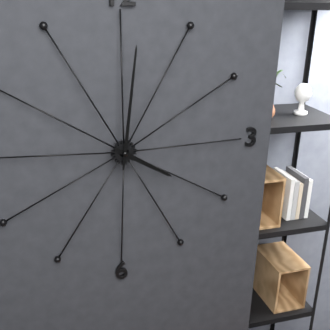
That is 4h01
